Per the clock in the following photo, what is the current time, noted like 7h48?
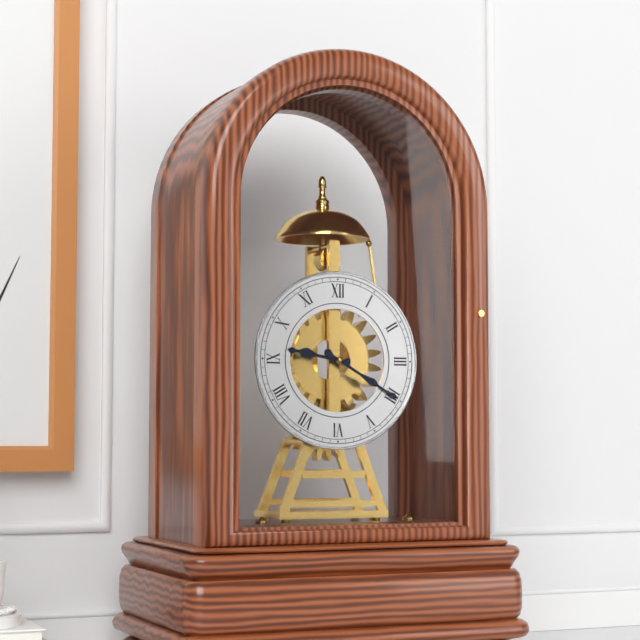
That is 9h20
